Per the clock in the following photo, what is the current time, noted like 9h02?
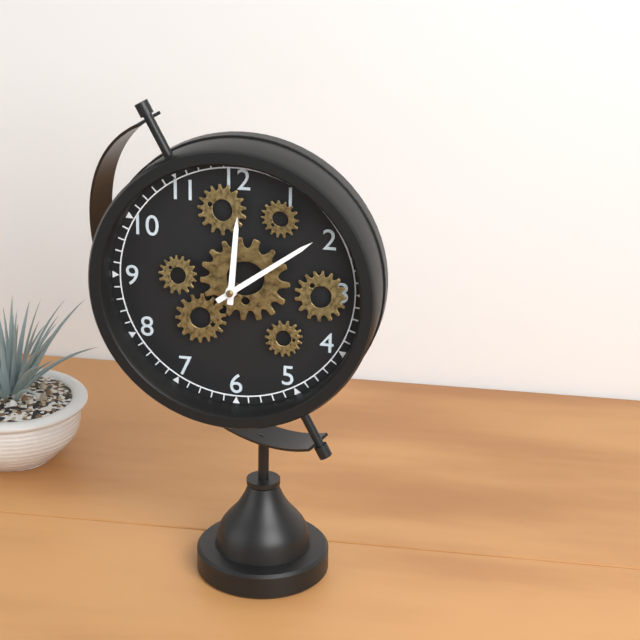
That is 12h09
